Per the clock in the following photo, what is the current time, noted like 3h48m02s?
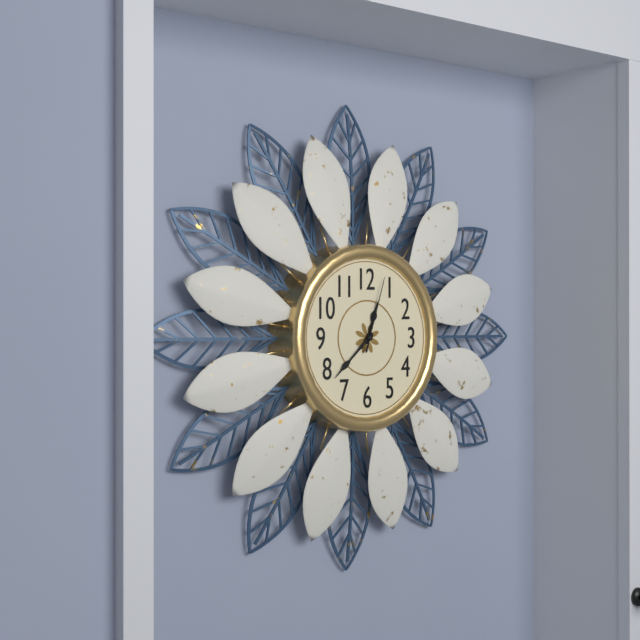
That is 12h38m03s
